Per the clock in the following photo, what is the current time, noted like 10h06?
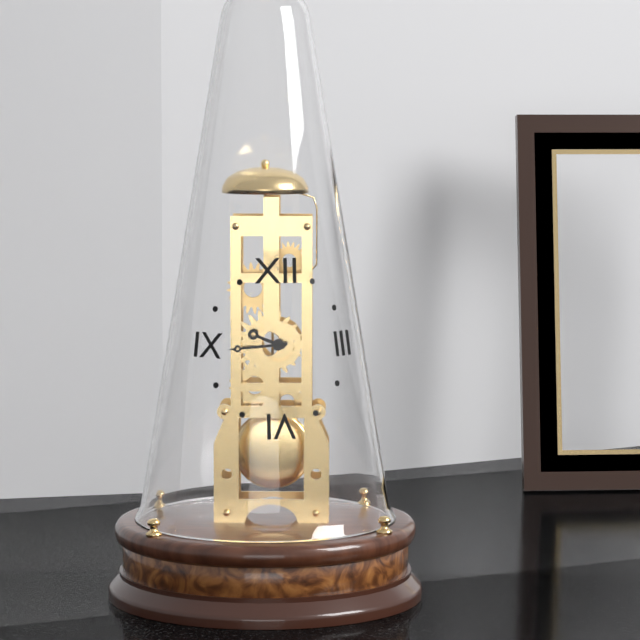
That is 9h44
